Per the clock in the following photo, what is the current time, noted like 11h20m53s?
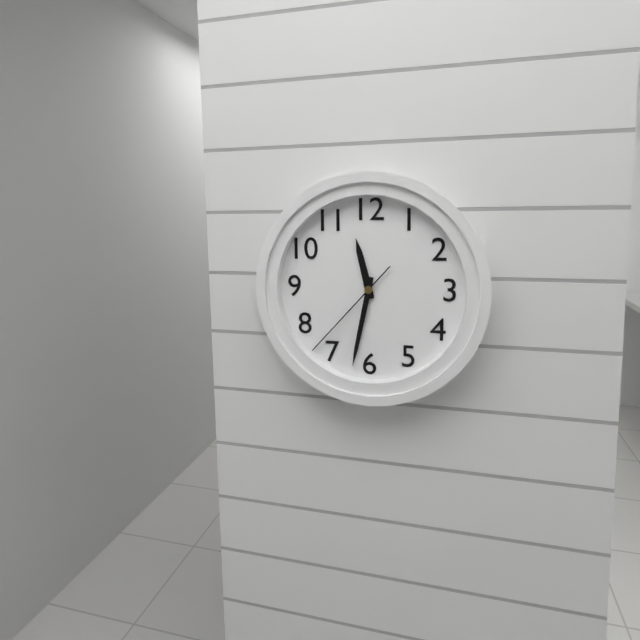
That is 11h32m37s
